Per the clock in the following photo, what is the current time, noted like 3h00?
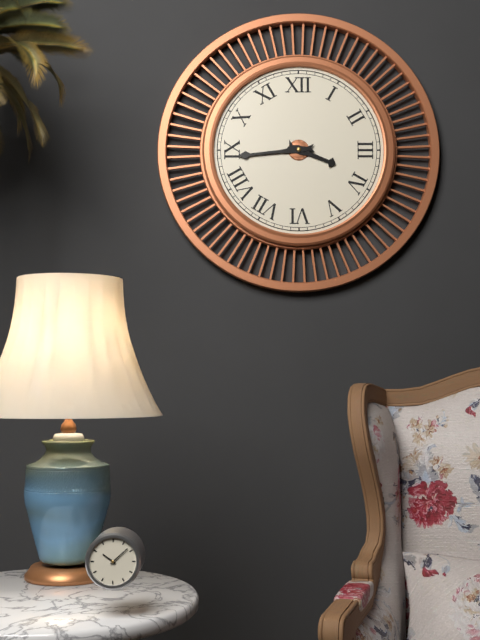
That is 3h44
